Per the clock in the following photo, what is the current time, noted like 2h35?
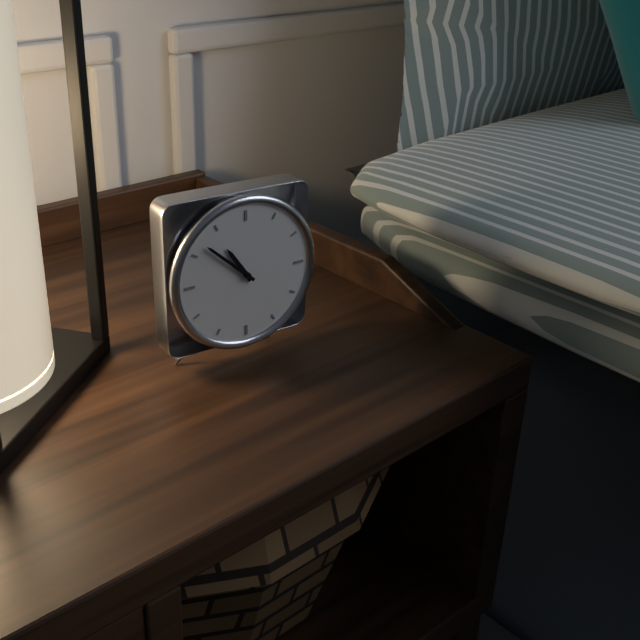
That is 10h52
